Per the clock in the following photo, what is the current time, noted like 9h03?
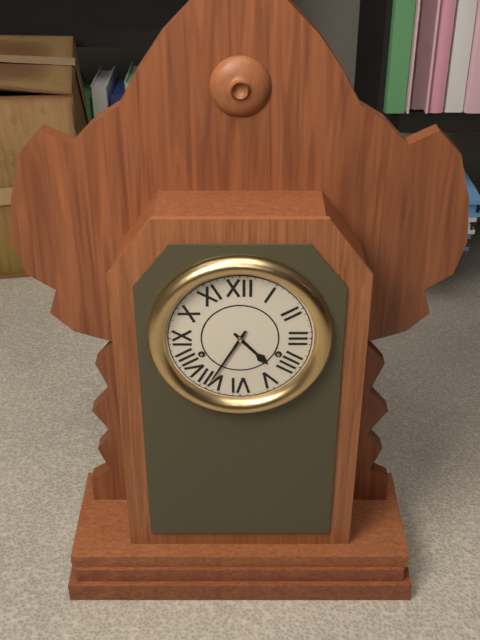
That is 4h35
